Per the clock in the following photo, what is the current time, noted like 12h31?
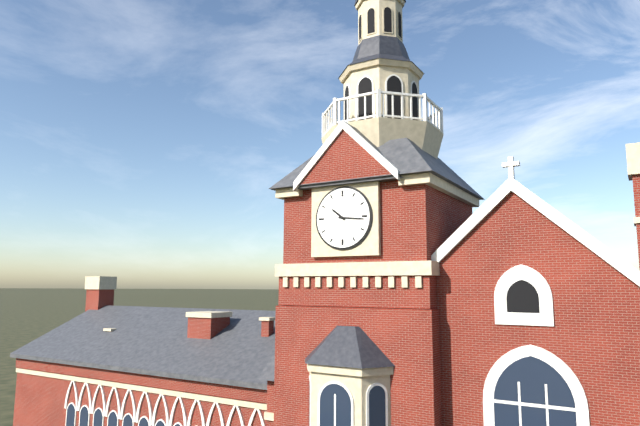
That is 10h16
